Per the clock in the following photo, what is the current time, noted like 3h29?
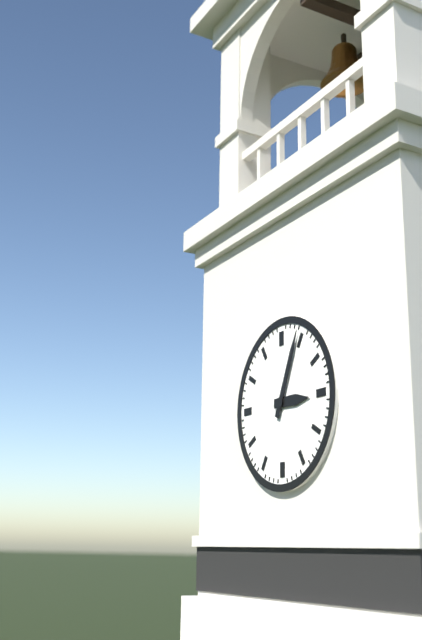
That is 3h04
